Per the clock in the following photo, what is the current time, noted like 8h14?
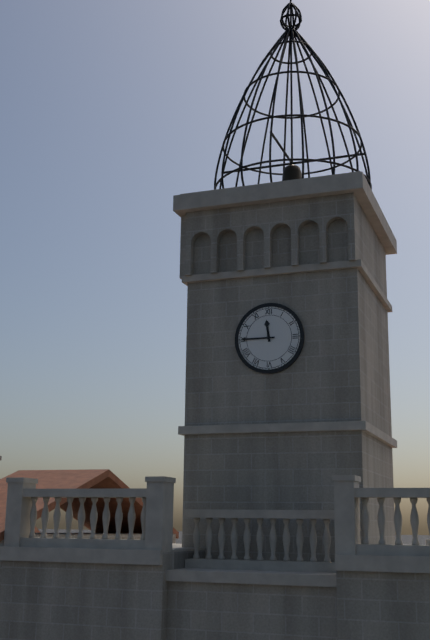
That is 11h45
